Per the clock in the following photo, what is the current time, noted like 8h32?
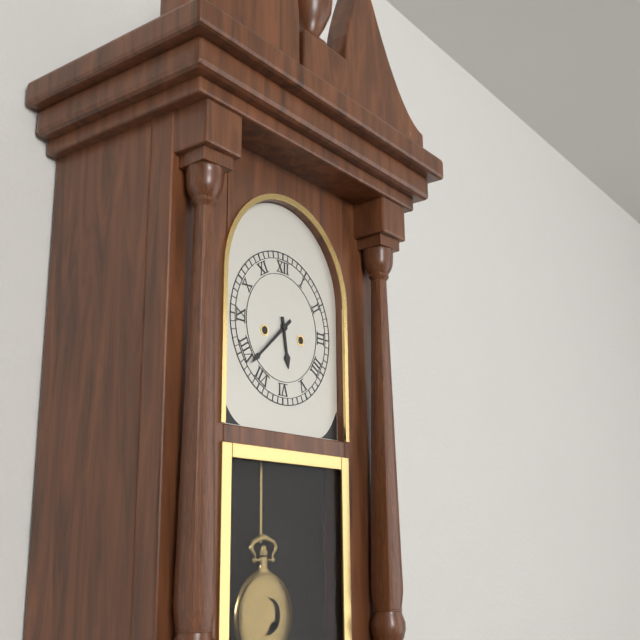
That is 5h38
